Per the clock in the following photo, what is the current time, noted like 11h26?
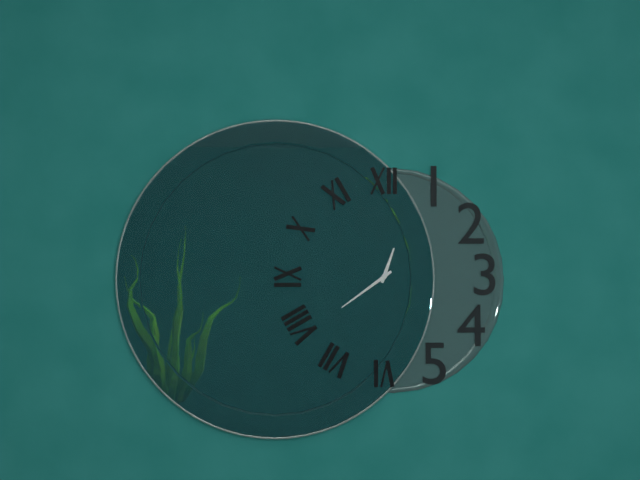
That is 12h39
